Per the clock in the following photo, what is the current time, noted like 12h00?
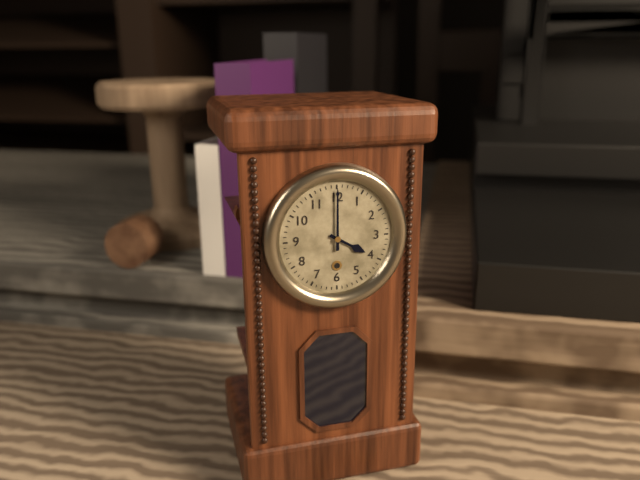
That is 4h00
